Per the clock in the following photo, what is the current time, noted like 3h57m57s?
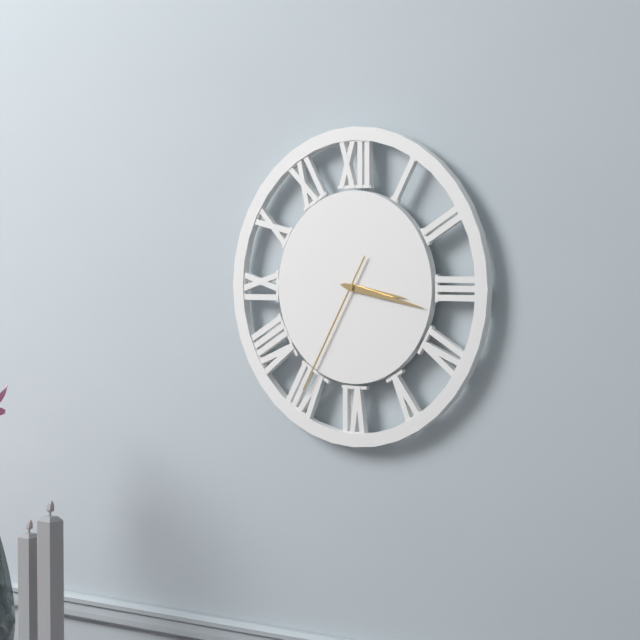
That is 3h17m35s
